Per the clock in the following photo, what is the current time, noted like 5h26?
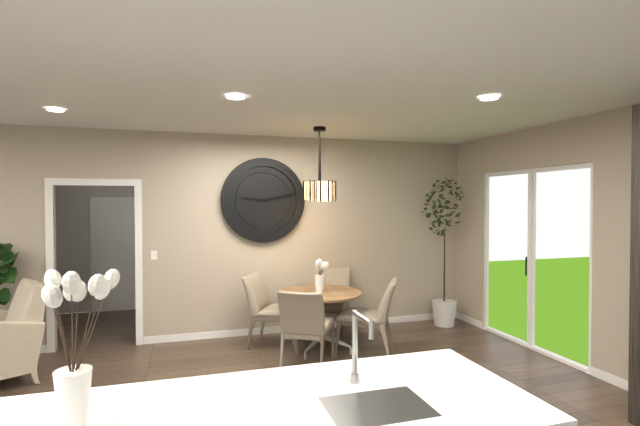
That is 9h13
